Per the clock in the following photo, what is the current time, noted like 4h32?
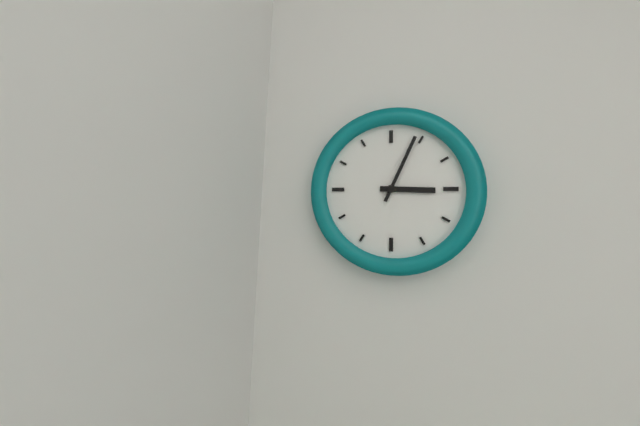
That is 3h04
